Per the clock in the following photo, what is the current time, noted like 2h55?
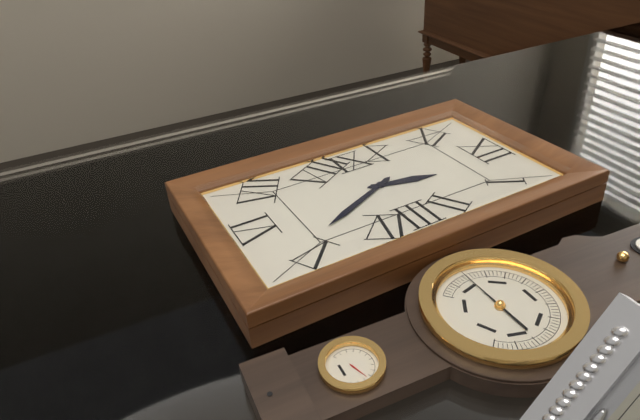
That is 12h26
